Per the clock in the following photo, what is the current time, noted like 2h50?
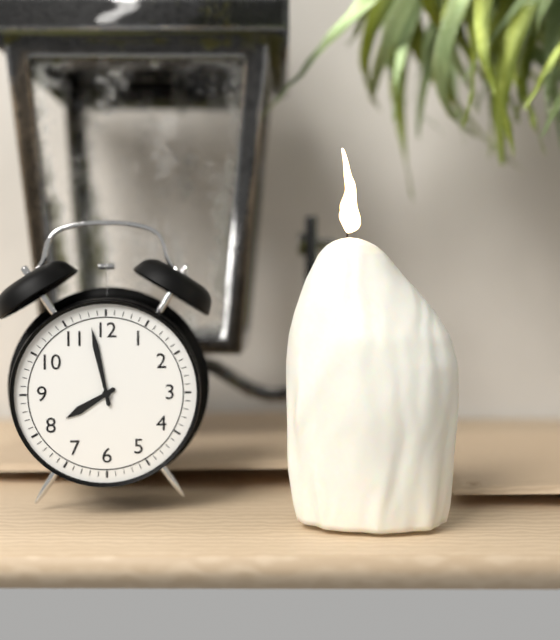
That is 7h58
